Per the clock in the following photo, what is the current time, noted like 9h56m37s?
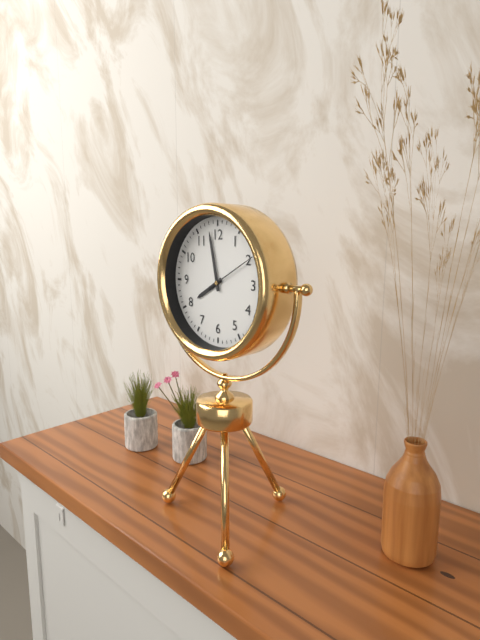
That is 7h58m10s
